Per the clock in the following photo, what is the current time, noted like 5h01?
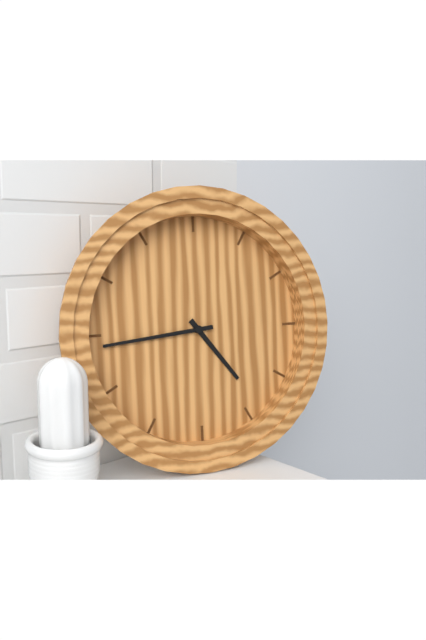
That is 4h44
